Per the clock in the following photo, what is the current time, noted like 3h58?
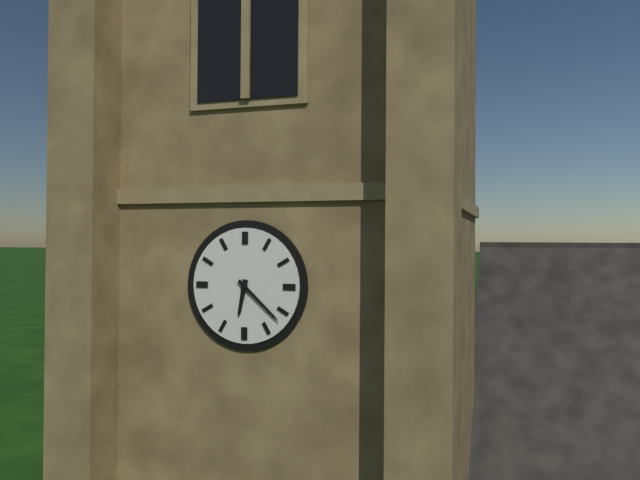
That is 6h22
